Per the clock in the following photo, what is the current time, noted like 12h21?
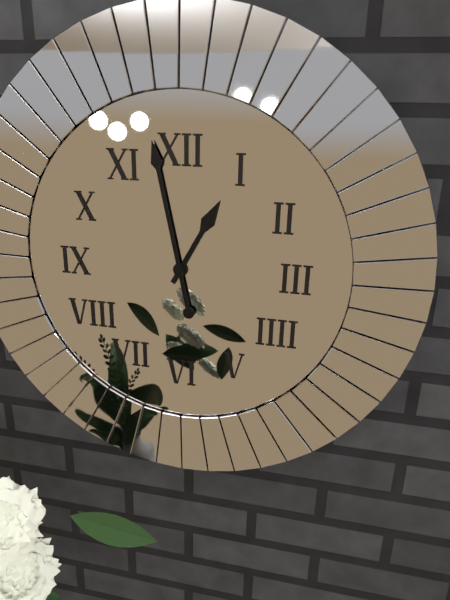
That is 12h58
